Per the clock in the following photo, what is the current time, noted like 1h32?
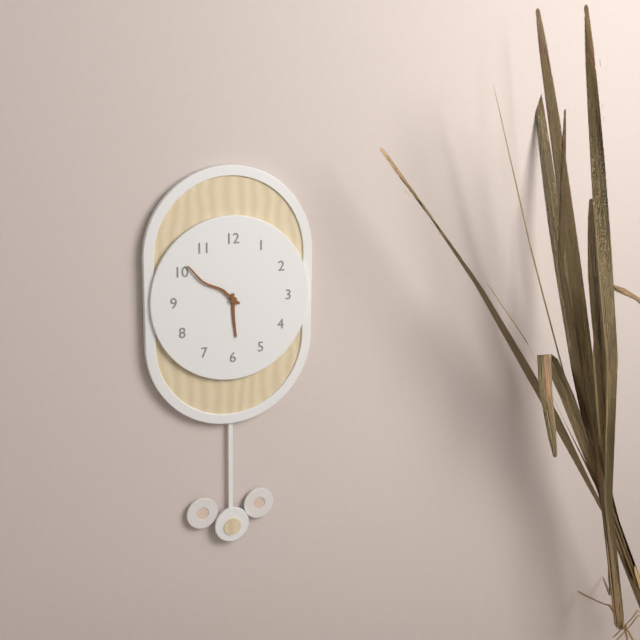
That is 5h51
